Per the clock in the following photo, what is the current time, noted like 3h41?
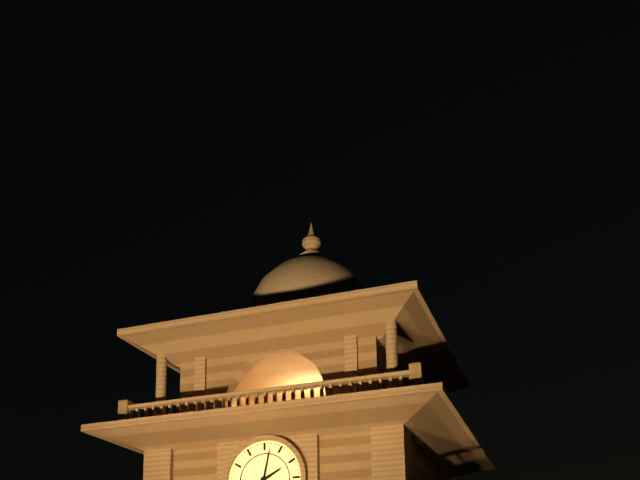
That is 2h02
